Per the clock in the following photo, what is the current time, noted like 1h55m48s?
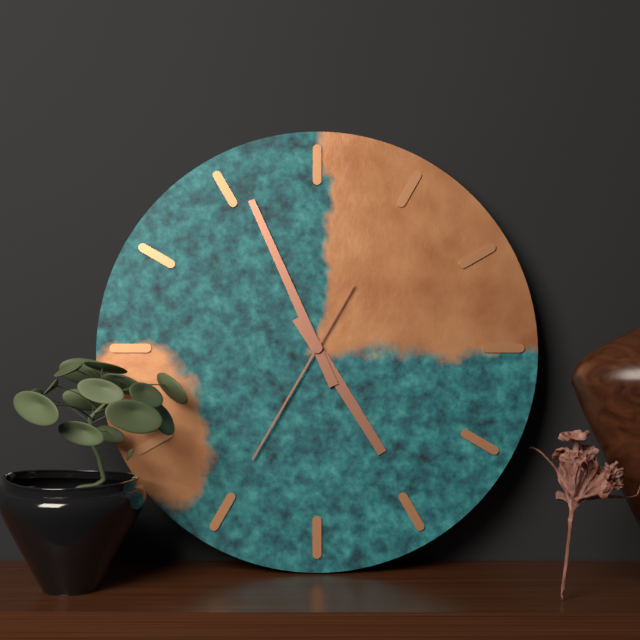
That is 4h56m35s
